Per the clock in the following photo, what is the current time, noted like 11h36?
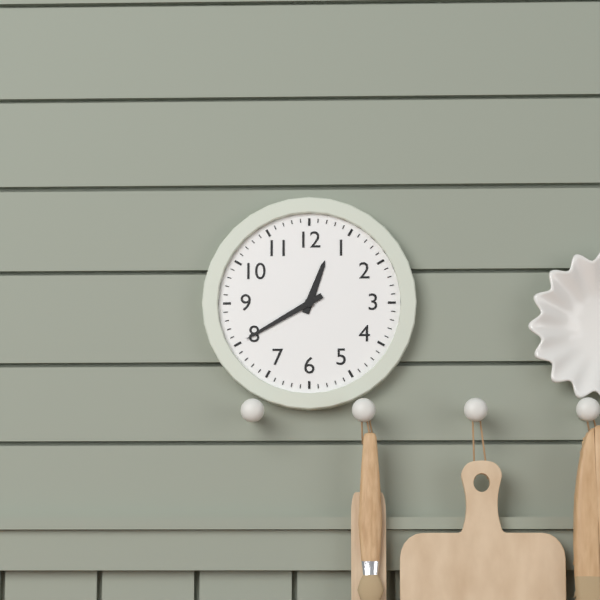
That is 12h40
